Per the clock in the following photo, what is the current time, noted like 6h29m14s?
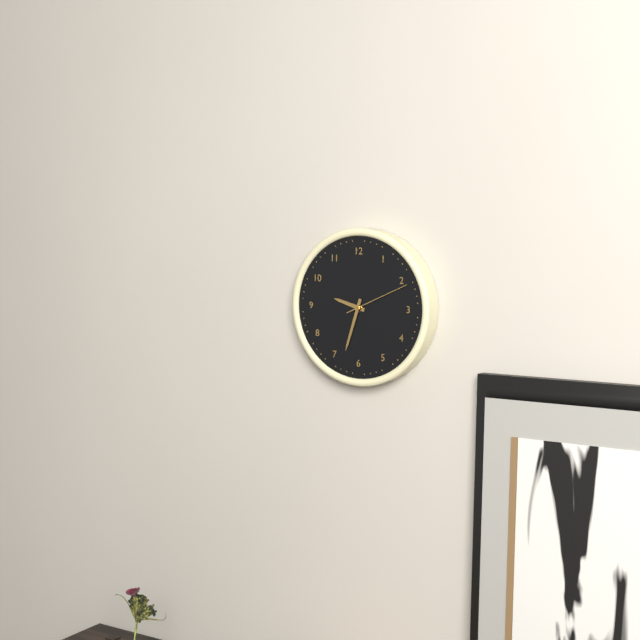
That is 9h33m11s
